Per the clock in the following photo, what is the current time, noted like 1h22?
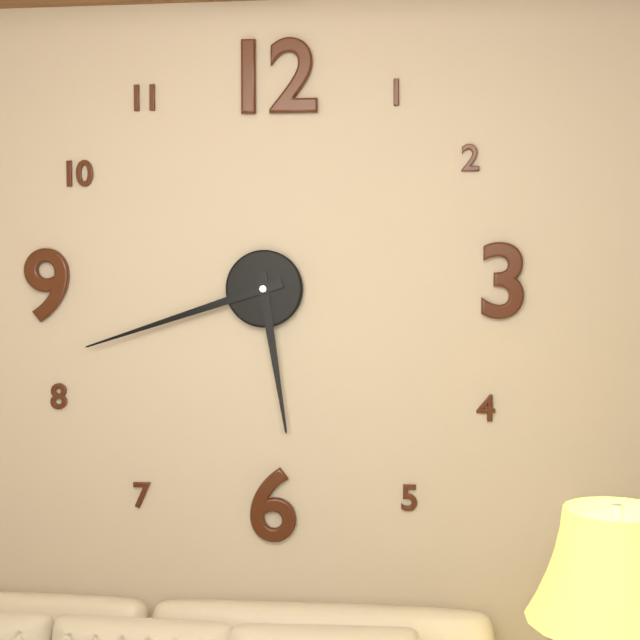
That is 5h42
